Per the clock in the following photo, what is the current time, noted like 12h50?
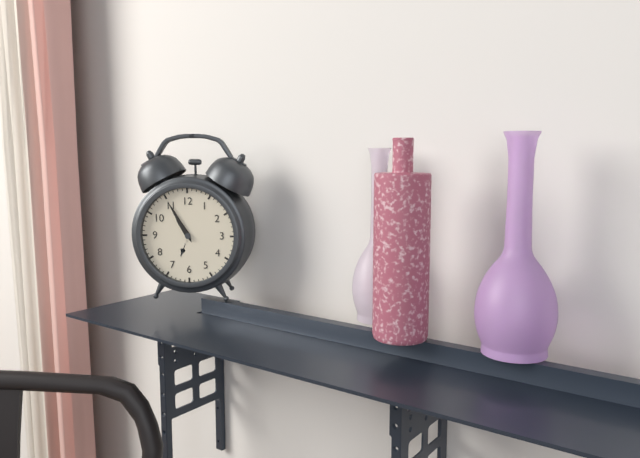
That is 10h55
